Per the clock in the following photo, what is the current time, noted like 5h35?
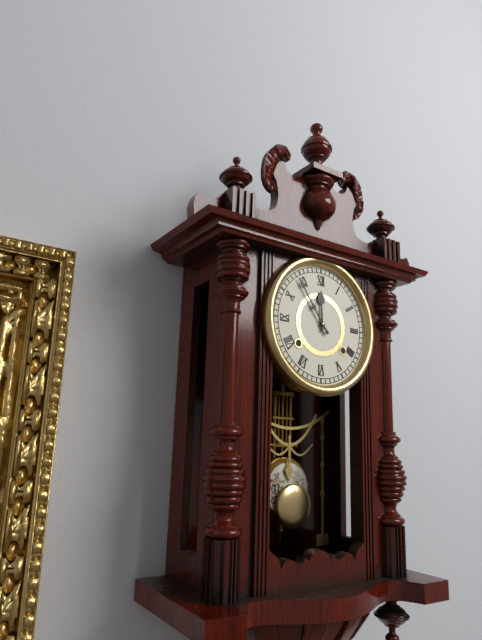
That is 11h54
